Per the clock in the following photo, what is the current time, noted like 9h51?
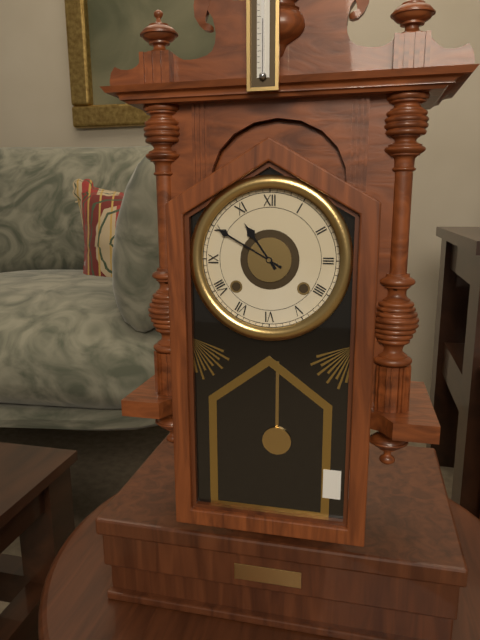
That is 10h50
